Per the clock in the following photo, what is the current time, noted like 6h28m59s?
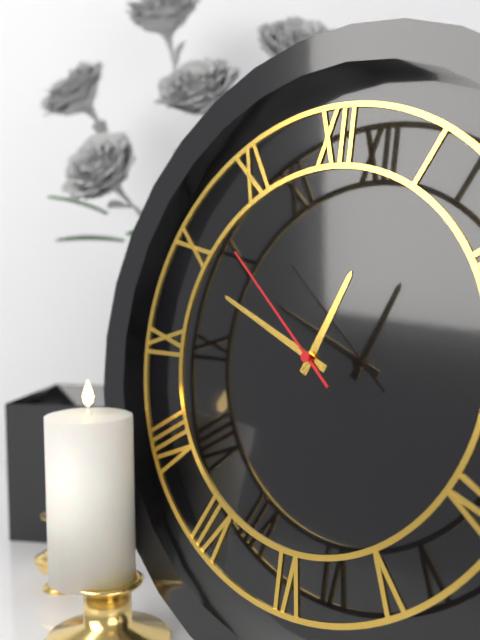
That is 12h49m52s
